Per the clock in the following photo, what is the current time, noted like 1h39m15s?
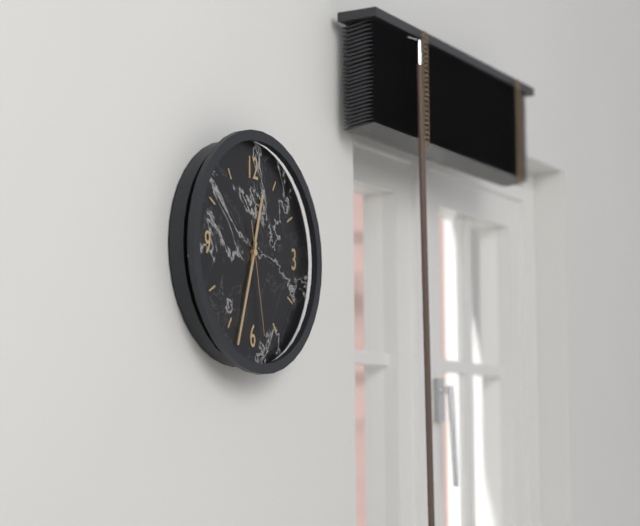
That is 12h33m28s
